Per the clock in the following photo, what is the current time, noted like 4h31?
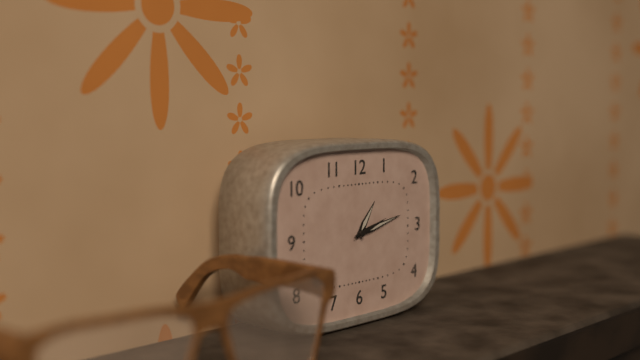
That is 1h13
